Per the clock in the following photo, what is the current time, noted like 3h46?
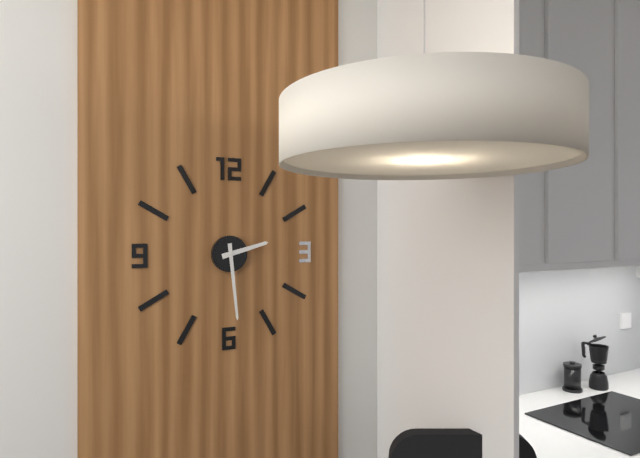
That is 2h29
